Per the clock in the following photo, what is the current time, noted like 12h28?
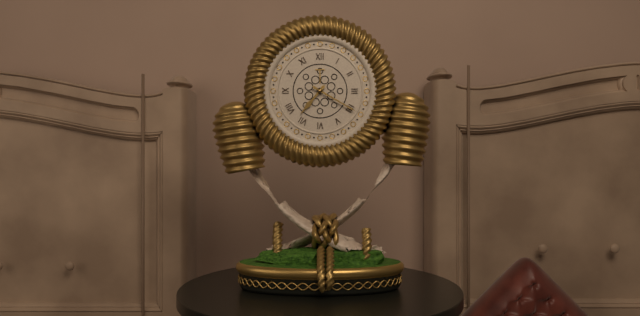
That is 7h20
